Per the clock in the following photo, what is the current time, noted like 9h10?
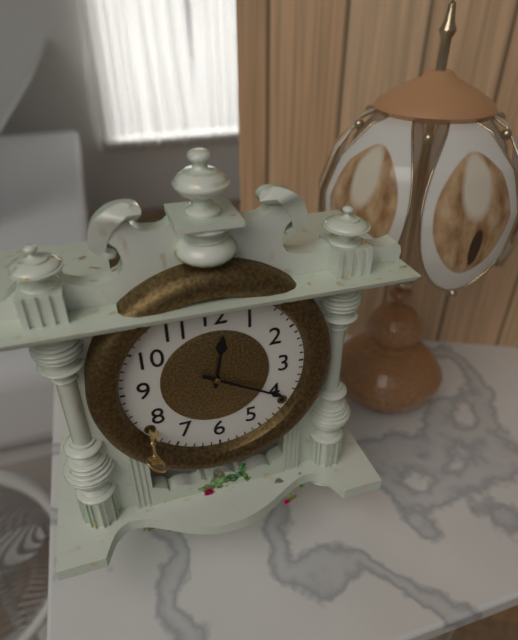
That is 12h20
